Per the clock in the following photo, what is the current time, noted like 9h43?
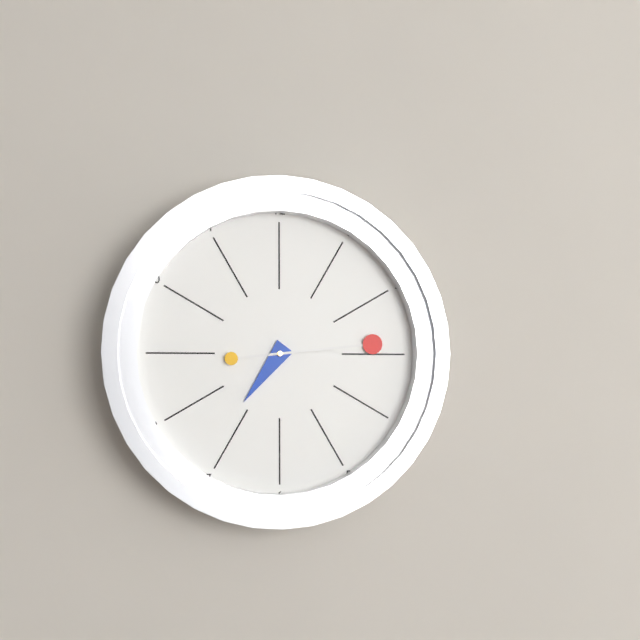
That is 7h14
